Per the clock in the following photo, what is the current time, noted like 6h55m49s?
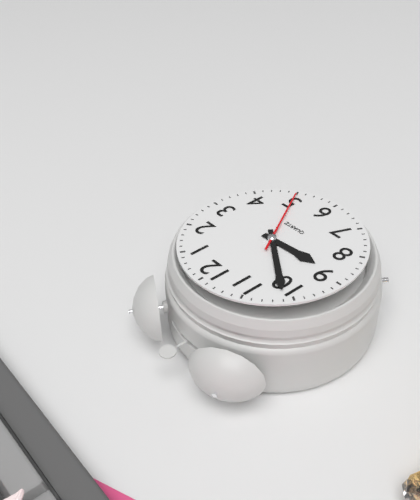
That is 8h51m25s
